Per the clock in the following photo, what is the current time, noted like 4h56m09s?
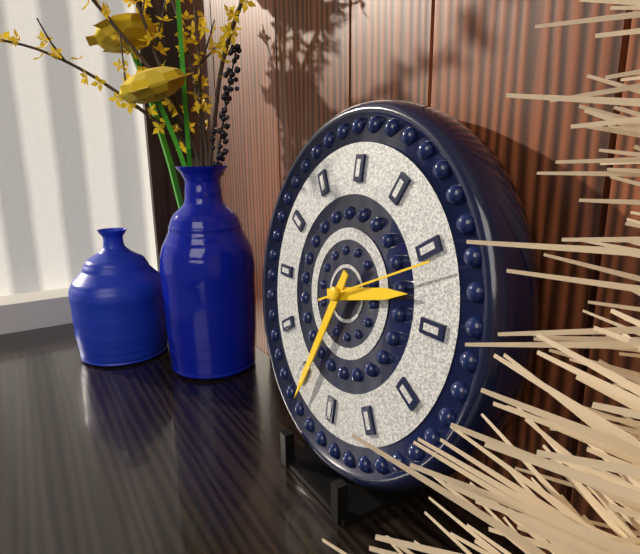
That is 2h34m11s
